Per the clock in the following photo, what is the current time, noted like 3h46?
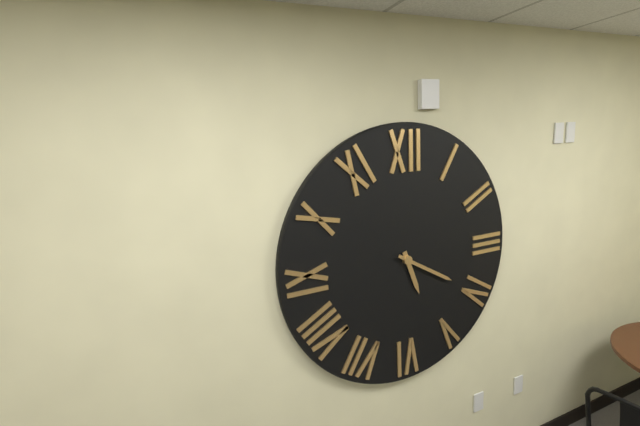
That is 5h20
